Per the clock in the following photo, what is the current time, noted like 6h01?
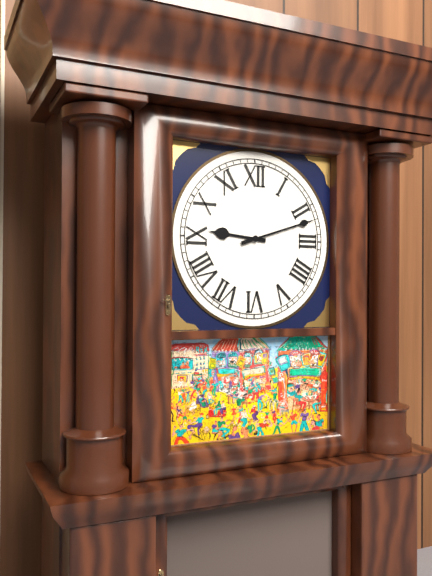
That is 9h12
